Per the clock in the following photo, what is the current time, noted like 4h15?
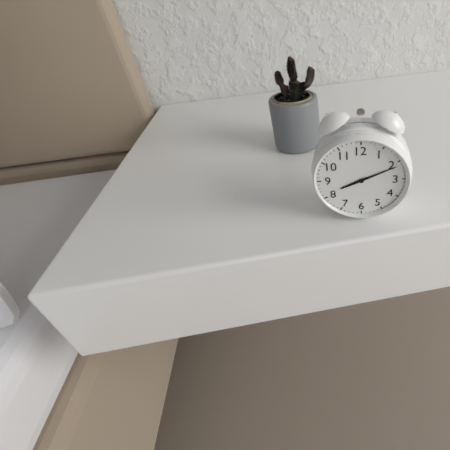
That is 8h11
